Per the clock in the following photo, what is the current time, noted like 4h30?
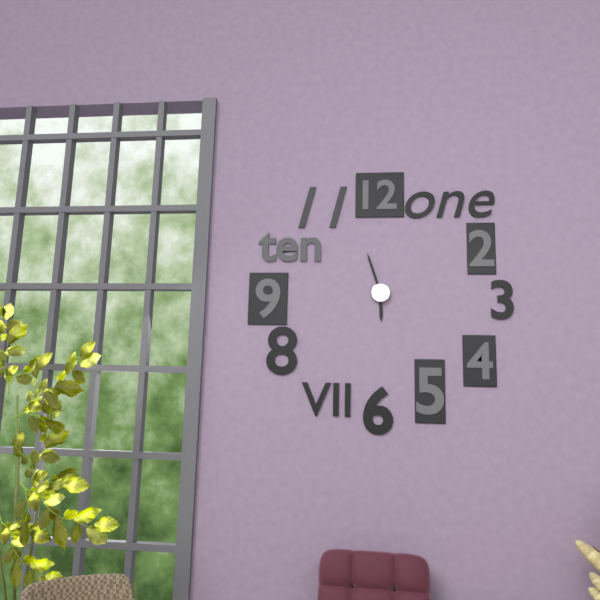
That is 5h57
